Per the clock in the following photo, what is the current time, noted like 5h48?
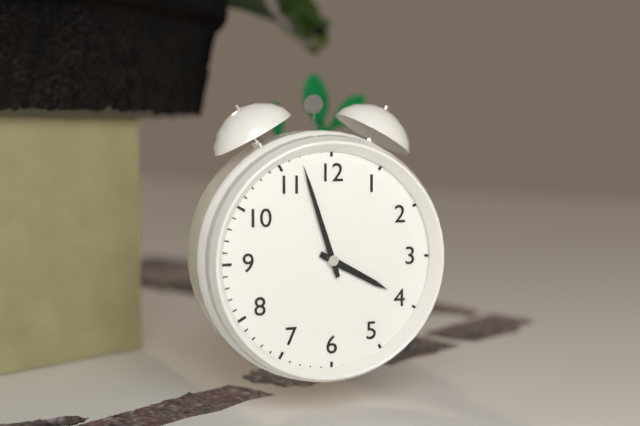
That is 3h57
